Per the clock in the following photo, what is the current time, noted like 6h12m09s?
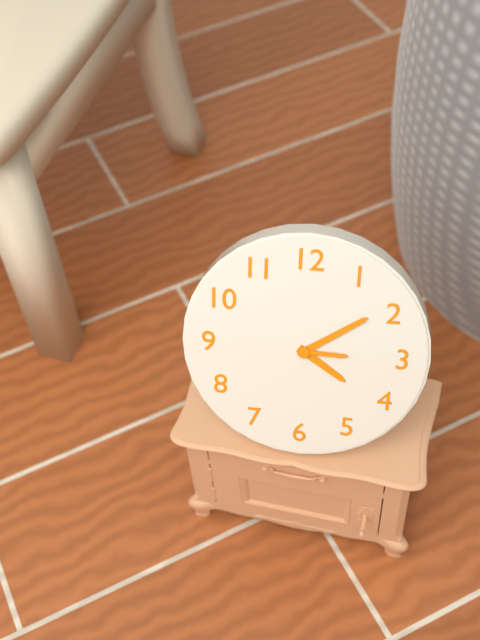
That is 4h09m15s
